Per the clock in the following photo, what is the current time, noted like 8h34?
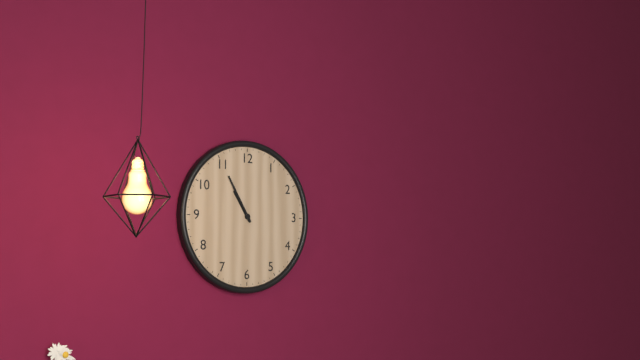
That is 10h55
